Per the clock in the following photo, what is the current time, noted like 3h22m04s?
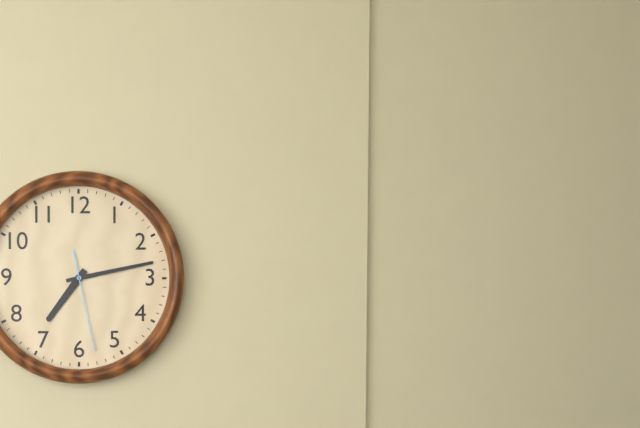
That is 7h13m28s
